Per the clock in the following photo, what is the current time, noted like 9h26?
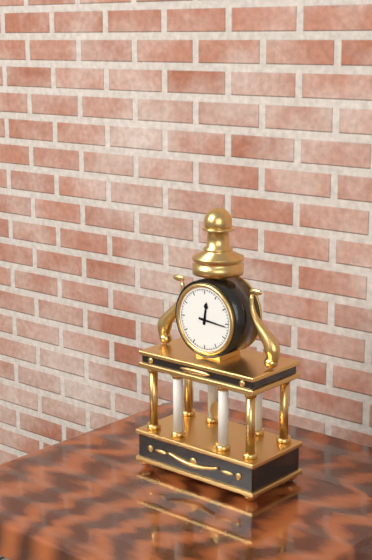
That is 12h16
